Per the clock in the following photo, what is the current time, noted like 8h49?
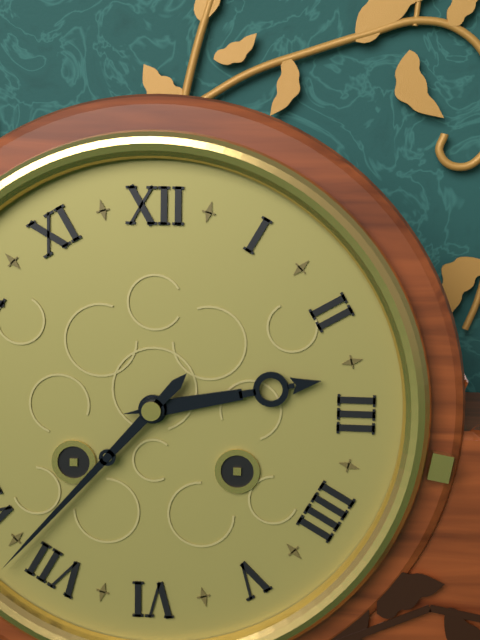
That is 2h37
